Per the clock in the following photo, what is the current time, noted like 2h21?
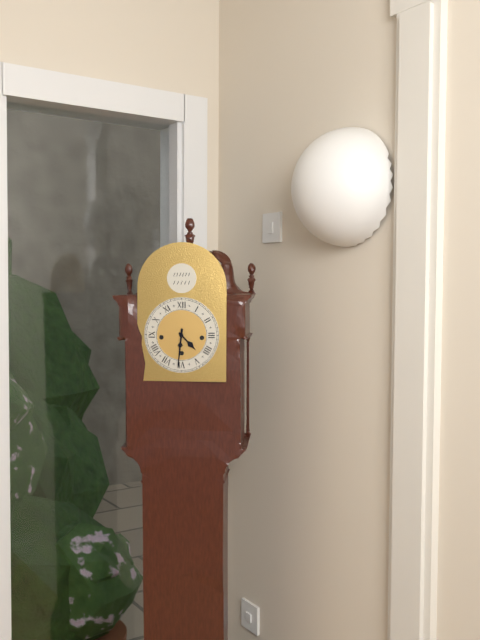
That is 4h31
